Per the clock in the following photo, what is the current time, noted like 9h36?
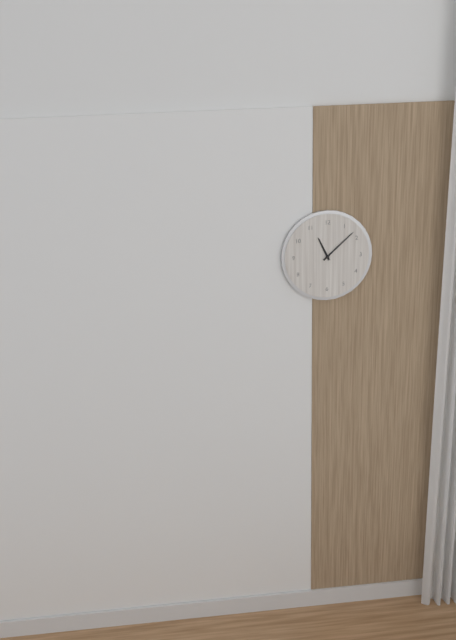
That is 11h08
